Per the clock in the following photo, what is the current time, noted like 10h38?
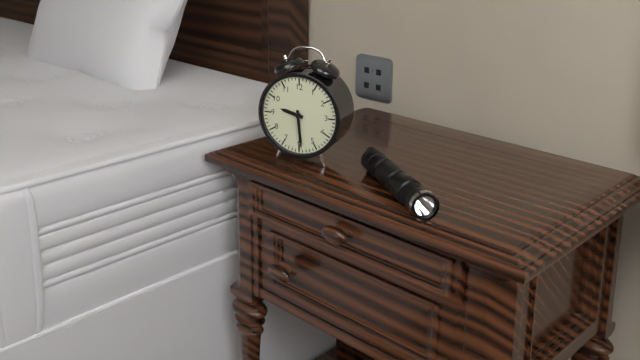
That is 9h29
